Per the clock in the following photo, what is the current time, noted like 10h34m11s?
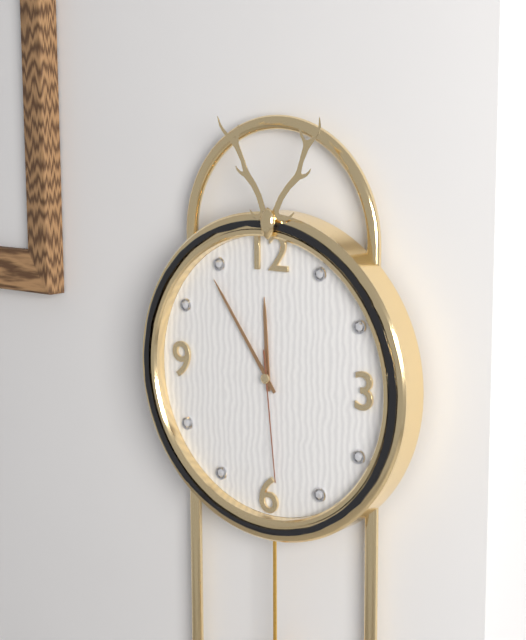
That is 11h54m29s
